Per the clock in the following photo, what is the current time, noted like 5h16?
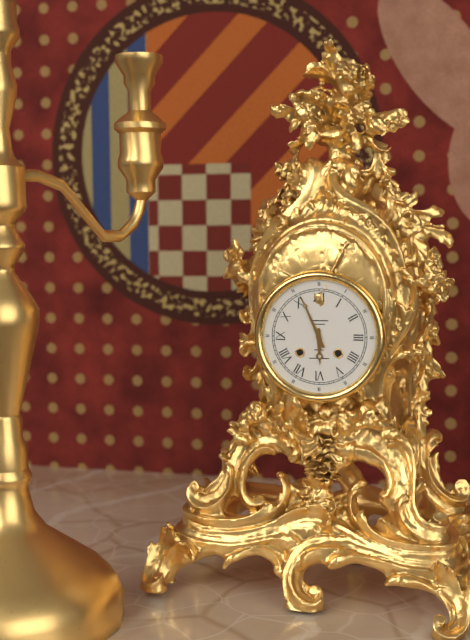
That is 5h56
